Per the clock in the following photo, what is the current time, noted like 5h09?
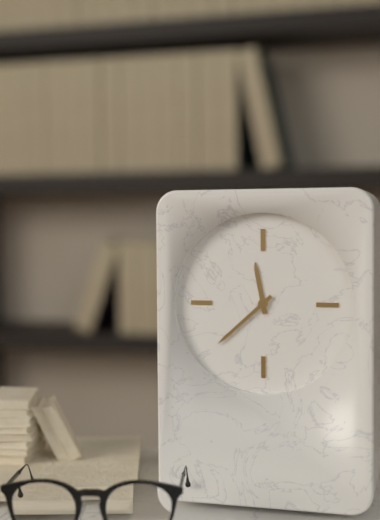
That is 11h38
